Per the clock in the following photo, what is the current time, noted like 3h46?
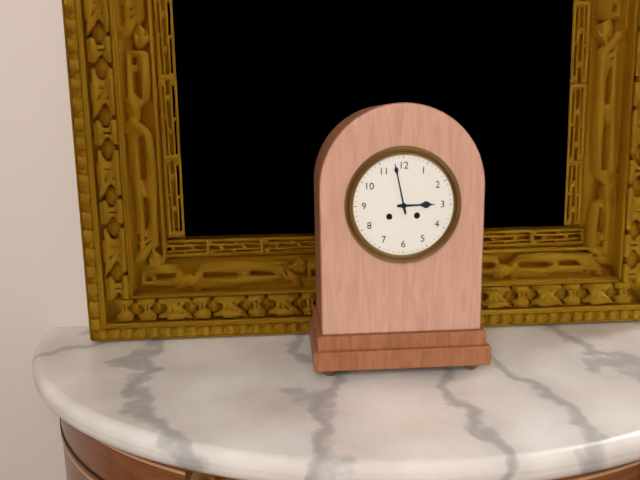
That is 2h58
